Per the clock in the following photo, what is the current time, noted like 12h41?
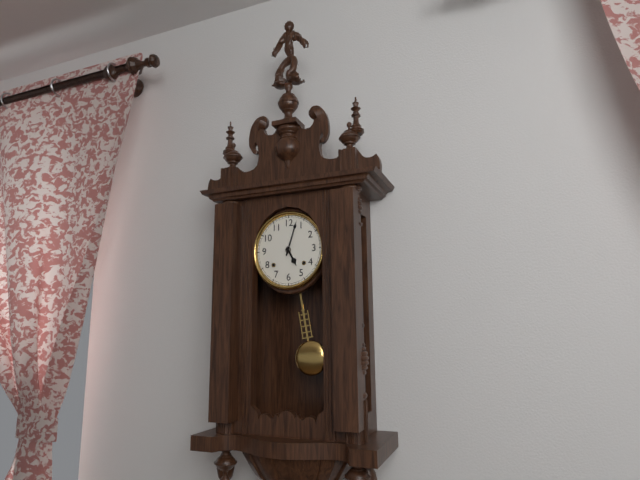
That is 5h03
